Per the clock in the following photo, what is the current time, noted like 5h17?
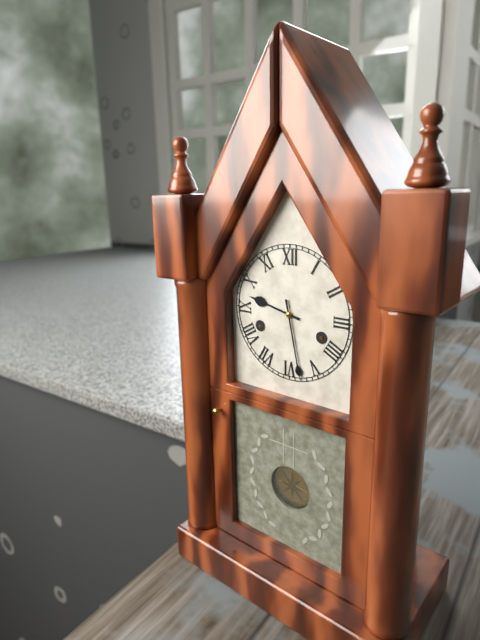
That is 9h28
